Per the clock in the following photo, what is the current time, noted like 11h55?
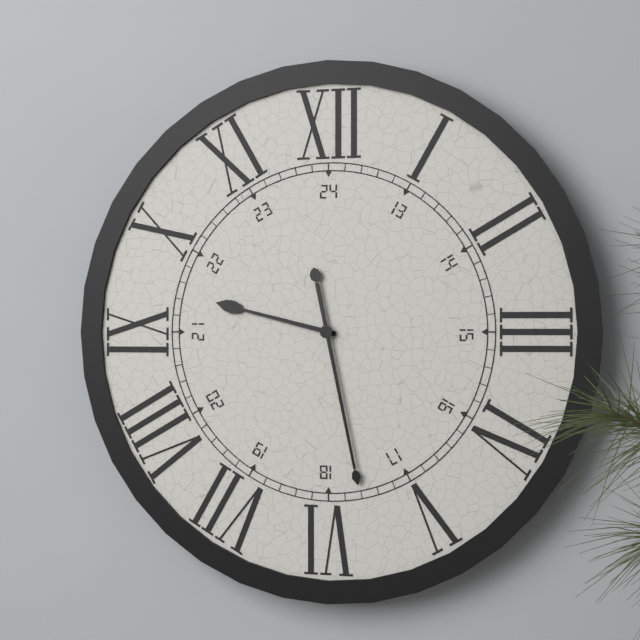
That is 9h28
